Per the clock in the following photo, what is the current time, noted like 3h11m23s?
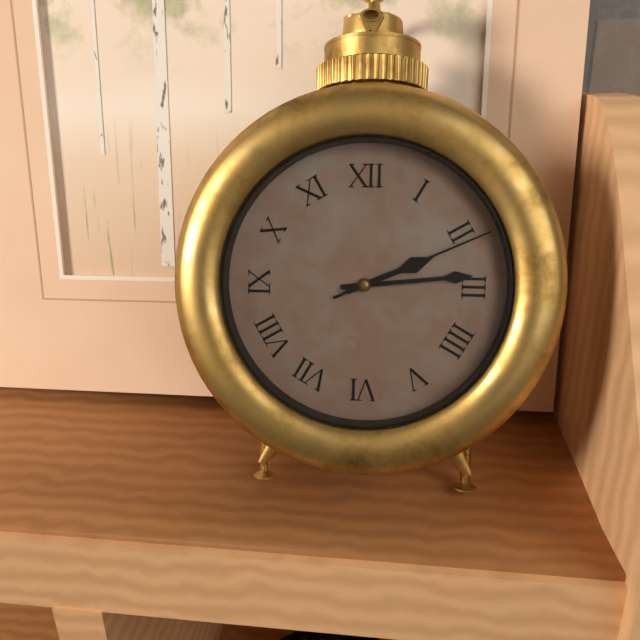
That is 2h14m11s
